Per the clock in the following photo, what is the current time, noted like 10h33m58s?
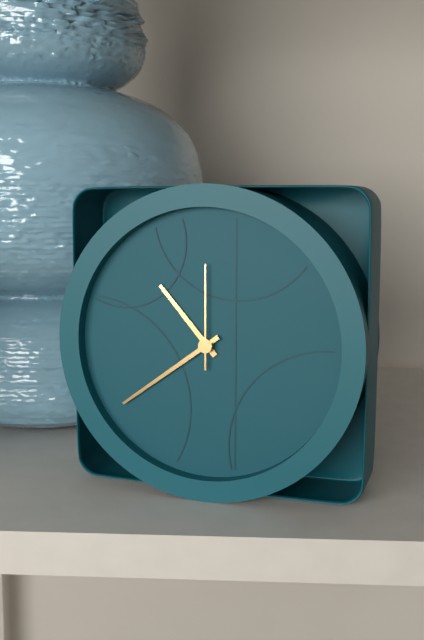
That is 10h39m00s
